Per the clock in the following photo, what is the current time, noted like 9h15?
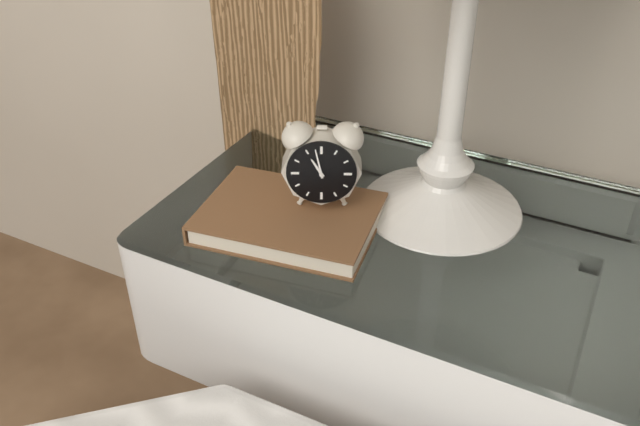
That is 10h58
